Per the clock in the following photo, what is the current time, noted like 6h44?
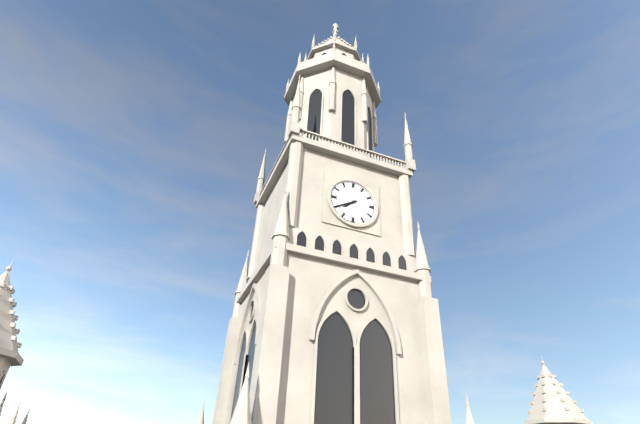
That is 7h40
